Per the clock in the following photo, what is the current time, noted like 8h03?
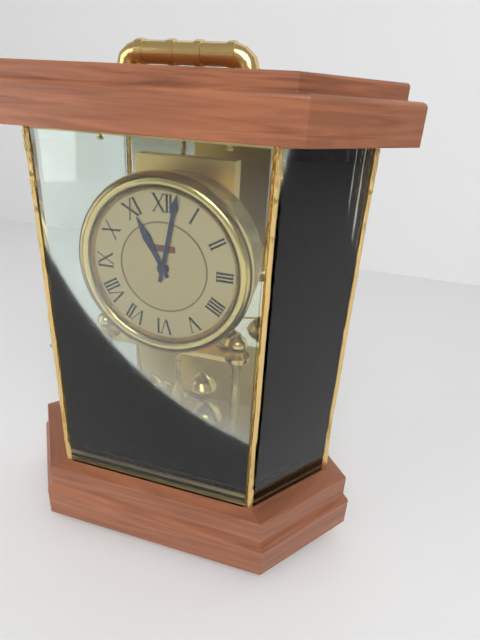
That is 11h02
